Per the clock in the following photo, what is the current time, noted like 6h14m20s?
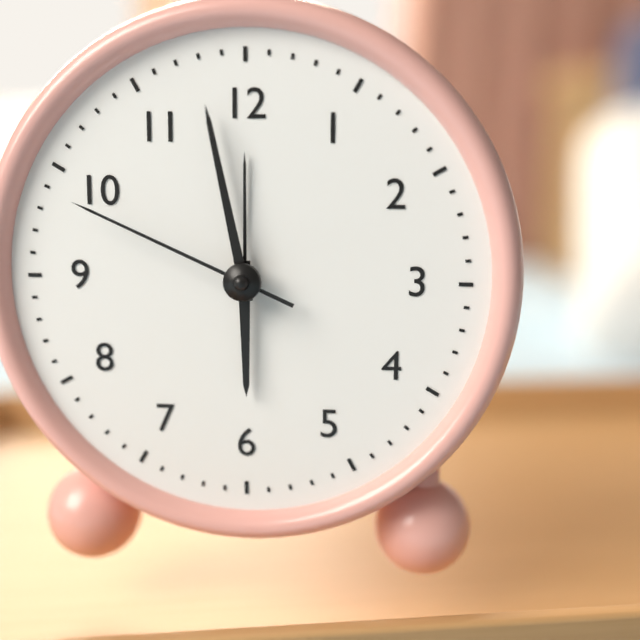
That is 5h58m49s
